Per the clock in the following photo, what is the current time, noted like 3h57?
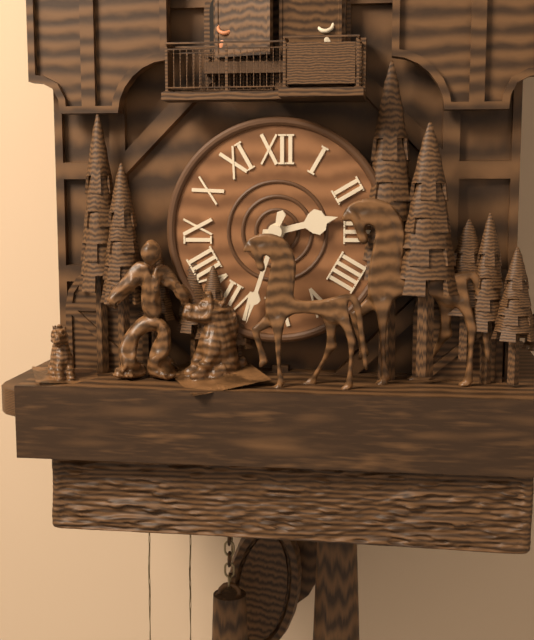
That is 2h33
